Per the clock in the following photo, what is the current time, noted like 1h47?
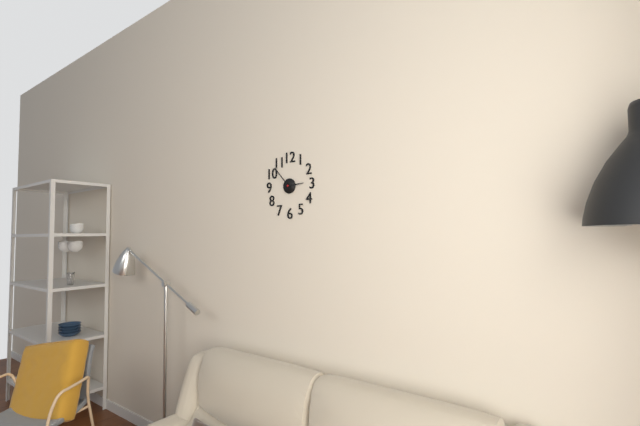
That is 2h53
